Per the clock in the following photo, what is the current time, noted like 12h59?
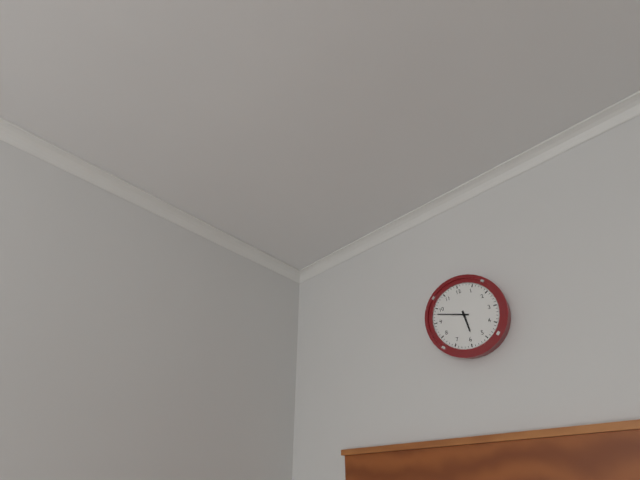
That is 5h48
